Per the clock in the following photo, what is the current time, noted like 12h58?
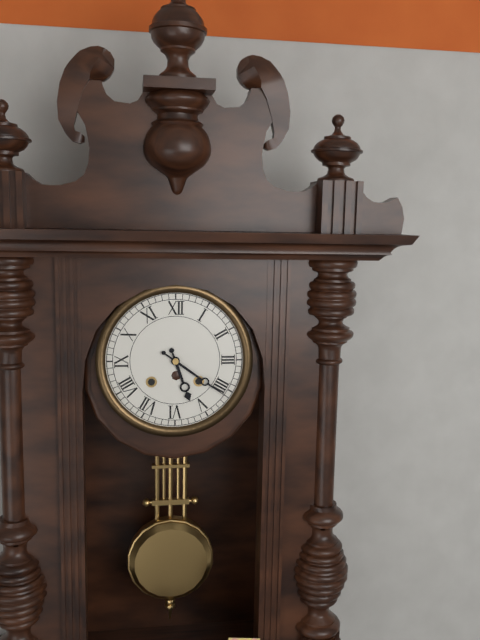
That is 5h21
